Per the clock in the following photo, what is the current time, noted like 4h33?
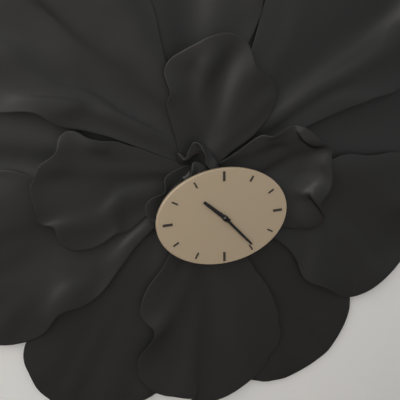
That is 10h23
